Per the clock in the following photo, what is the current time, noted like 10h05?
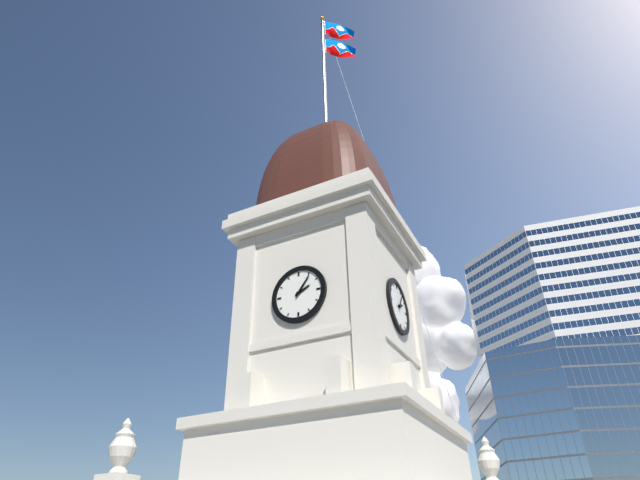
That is 2h06
